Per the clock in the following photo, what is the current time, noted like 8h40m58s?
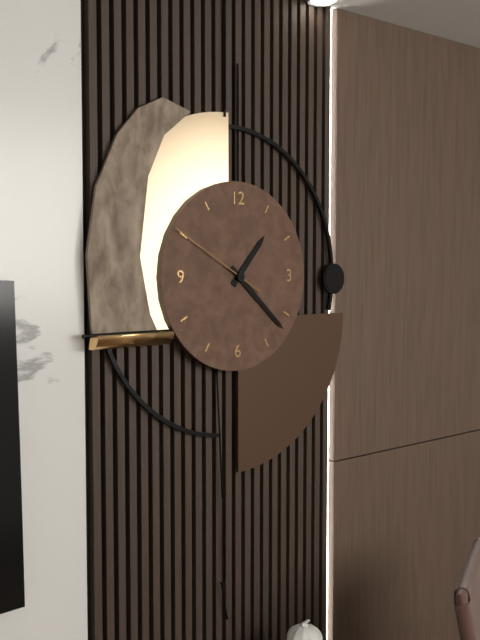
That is 1h22m50s
